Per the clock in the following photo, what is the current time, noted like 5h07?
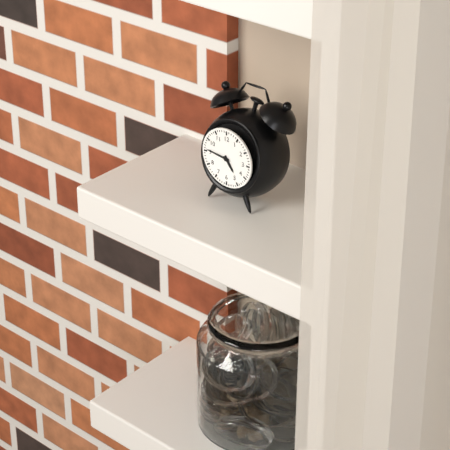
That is 4h46
